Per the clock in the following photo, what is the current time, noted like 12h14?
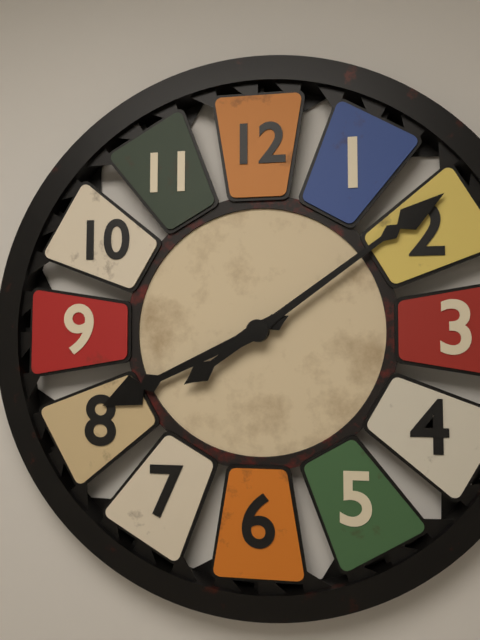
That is 8h09
